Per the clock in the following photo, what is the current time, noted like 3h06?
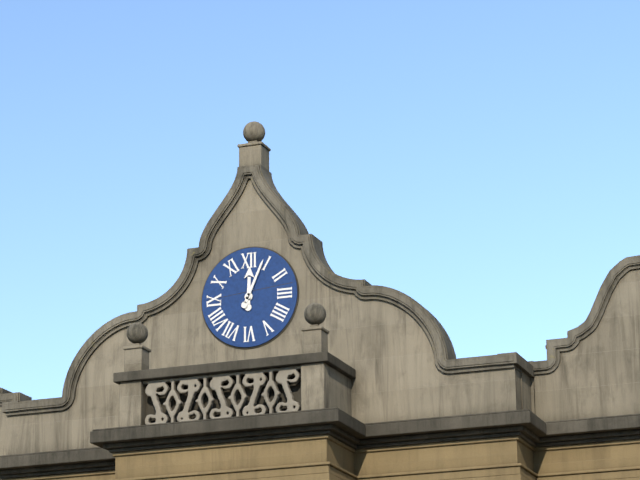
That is 12h04
